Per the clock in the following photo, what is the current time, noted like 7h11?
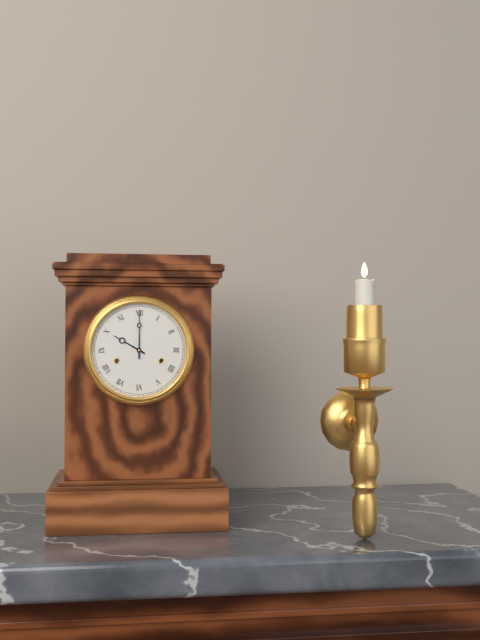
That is 10h00
